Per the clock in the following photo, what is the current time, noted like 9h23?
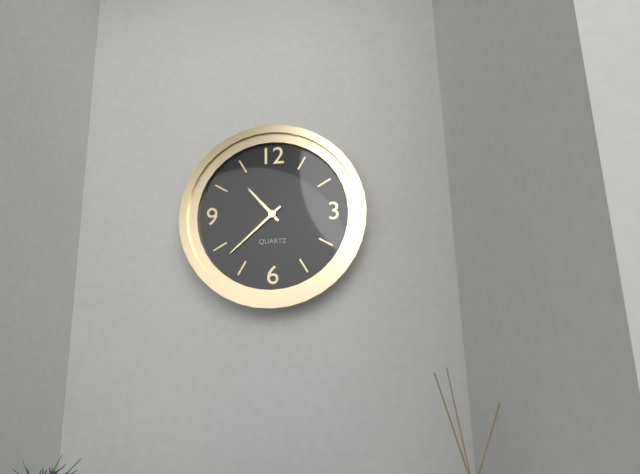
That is 10h38
